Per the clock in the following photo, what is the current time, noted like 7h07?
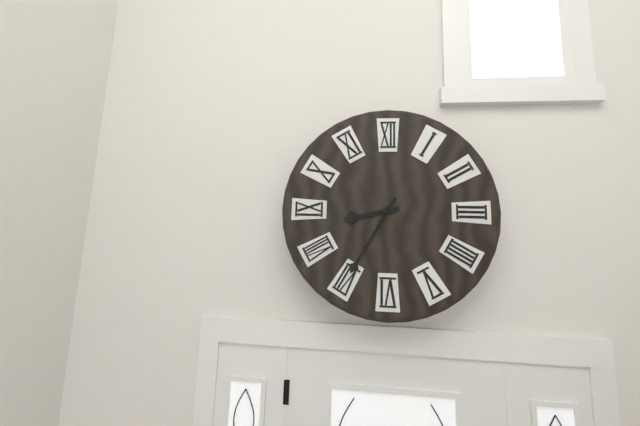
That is 8h35
